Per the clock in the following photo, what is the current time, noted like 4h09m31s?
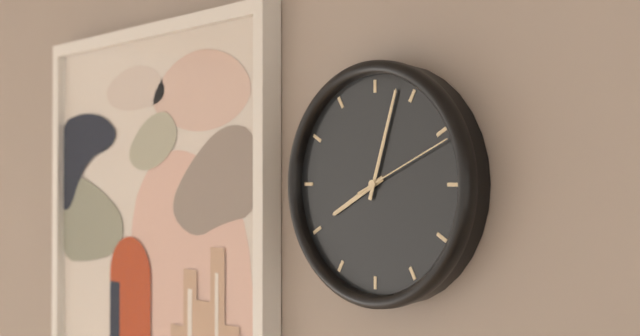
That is 8h03m11s
